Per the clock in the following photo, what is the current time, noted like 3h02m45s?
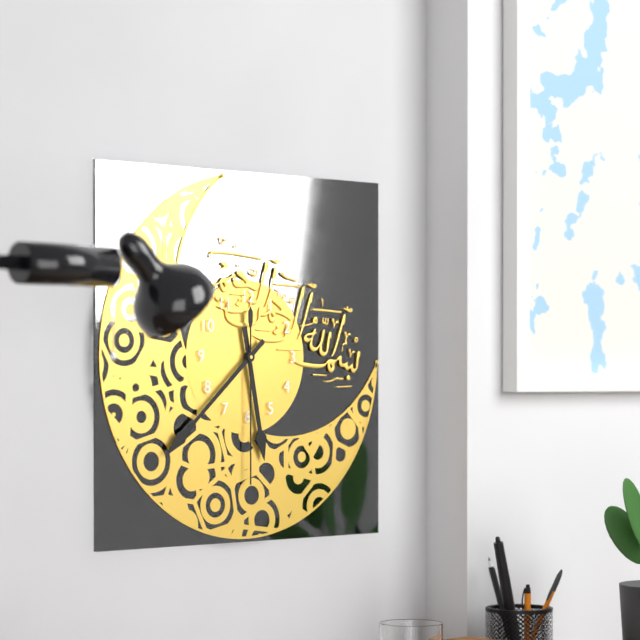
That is 5h38m30s
